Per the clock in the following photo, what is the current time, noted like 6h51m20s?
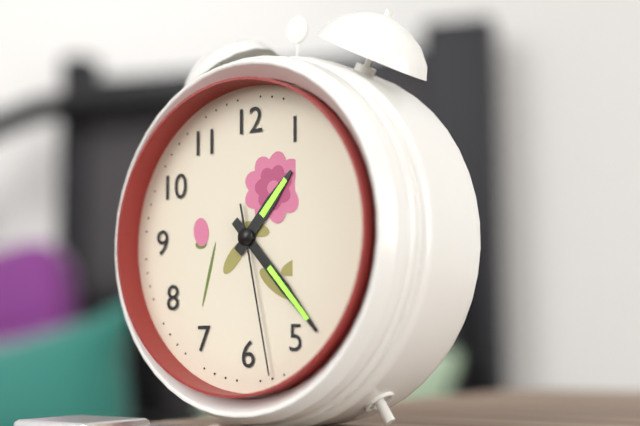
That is 1h23m28s
